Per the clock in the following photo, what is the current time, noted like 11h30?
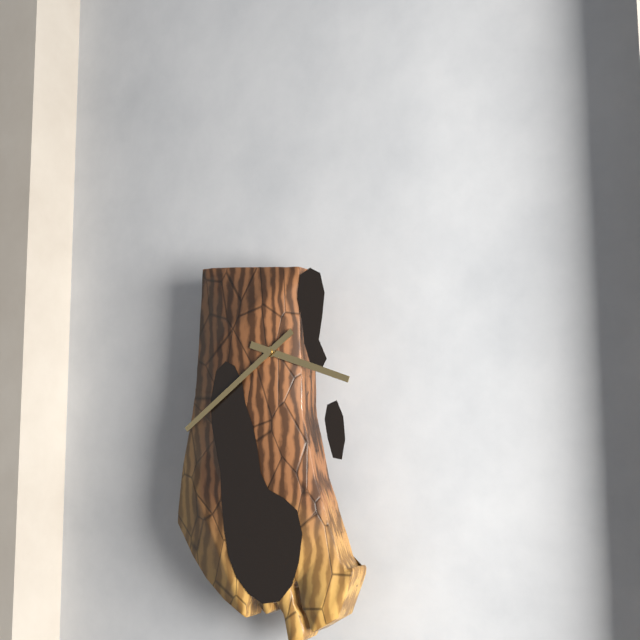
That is 3h39
